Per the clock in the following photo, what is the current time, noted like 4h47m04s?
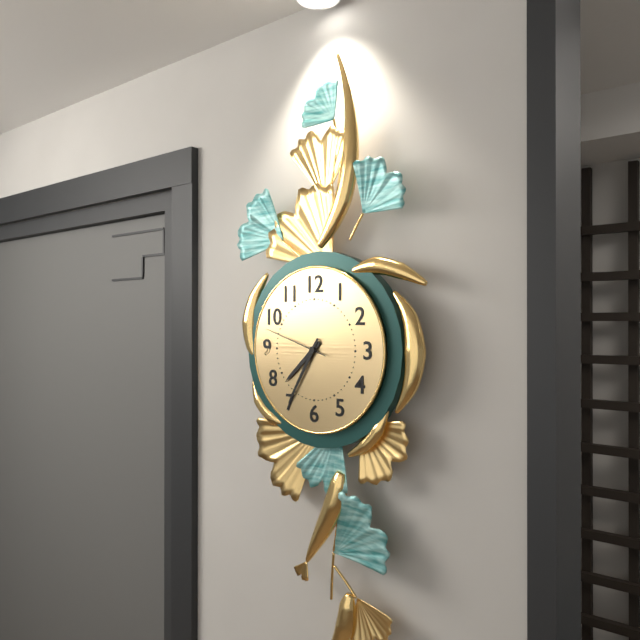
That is 7h35m48s
